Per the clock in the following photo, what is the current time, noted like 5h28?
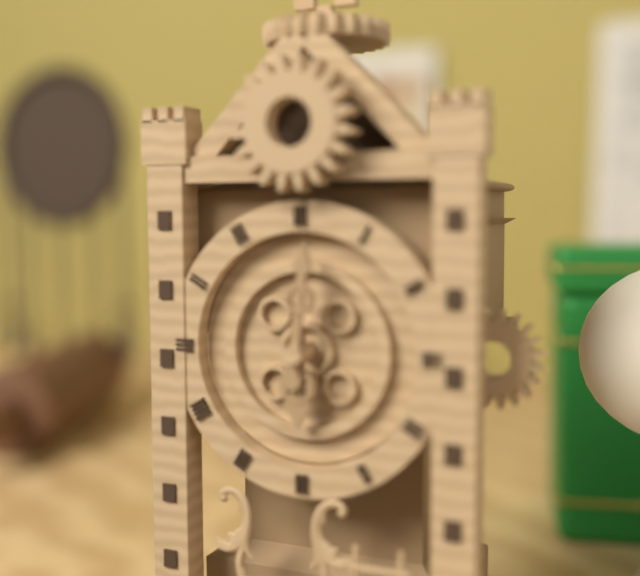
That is 6h01
